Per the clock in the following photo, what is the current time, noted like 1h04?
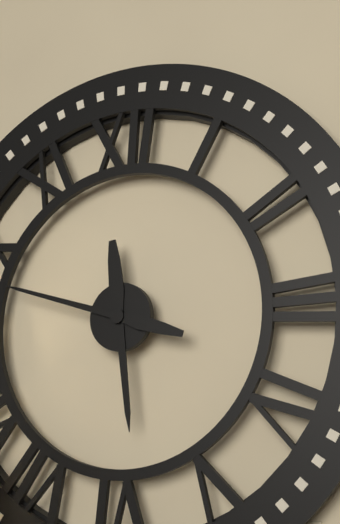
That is 5h48
